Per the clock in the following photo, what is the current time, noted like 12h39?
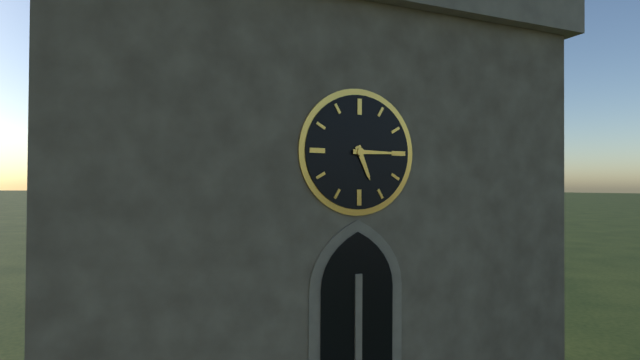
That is 5h15
